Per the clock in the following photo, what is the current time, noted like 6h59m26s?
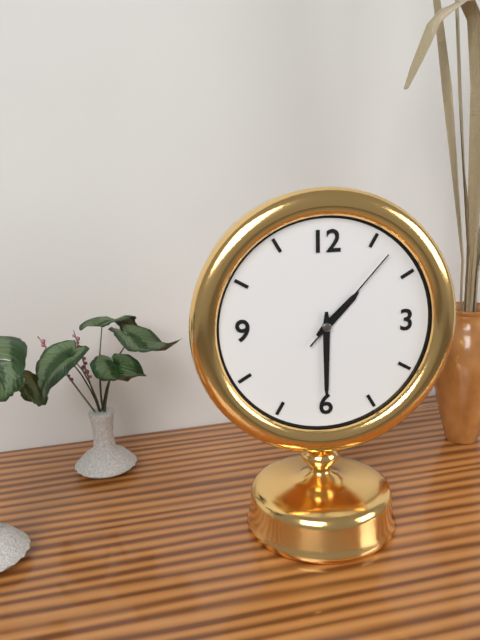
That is 1h30m07s
